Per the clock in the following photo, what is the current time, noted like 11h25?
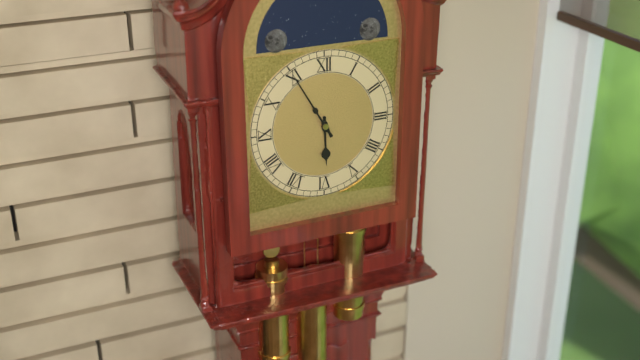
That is 5h55
